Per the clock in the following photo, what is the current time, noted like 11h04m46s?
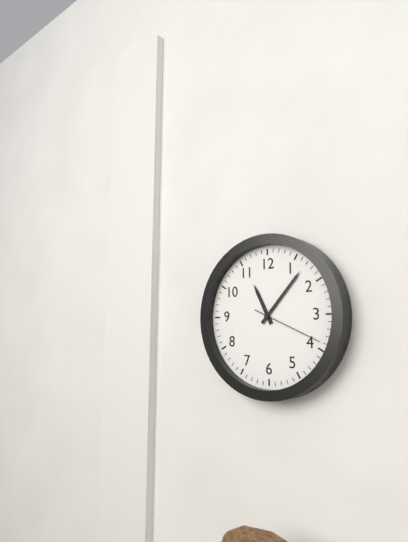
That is 11h07m19s
